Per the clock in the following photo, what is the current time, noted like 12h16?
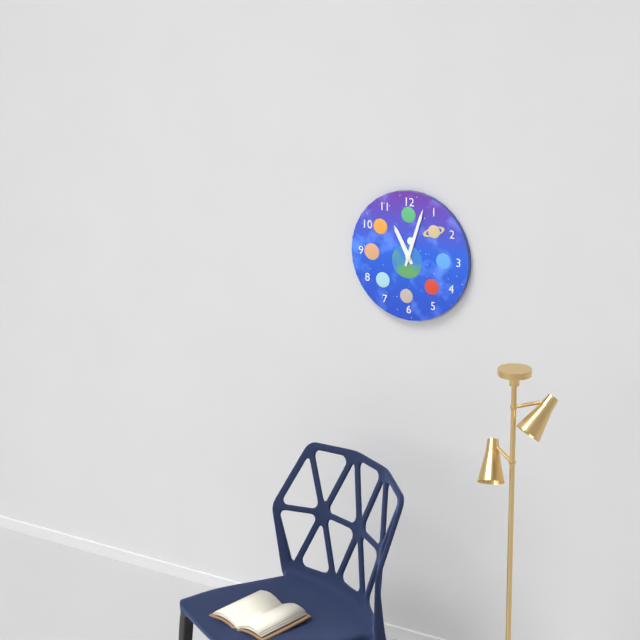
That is 11h03
